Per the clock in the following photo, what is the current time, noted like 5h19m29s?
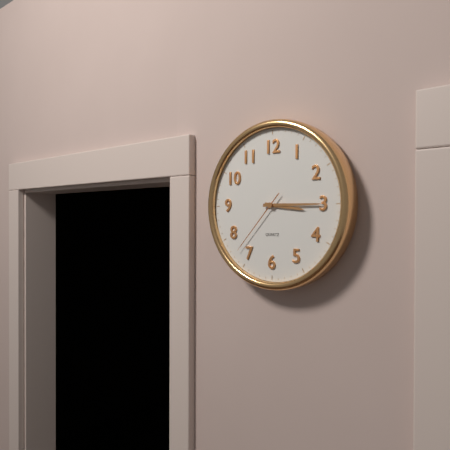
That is 3h15m37s
